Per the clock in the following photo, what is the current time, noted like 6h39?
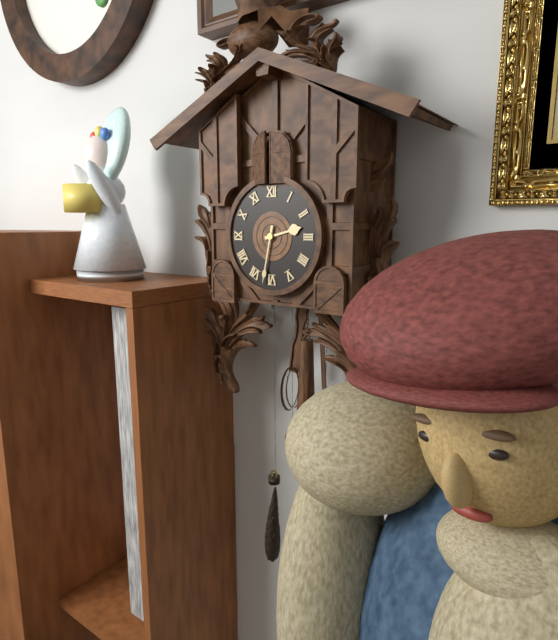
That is 2h32
